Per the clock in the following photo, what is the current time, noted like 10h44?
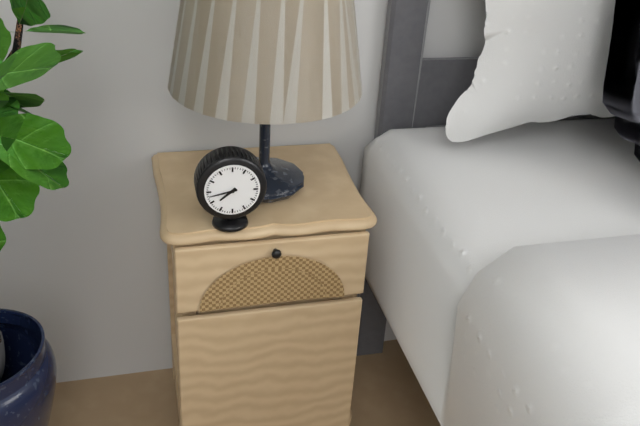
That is 7h43
